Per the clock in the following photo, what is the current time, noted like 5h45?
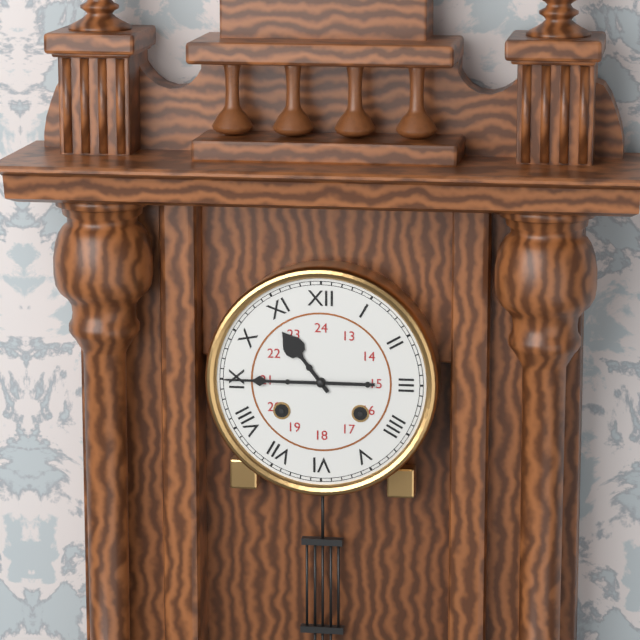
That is 10h45
